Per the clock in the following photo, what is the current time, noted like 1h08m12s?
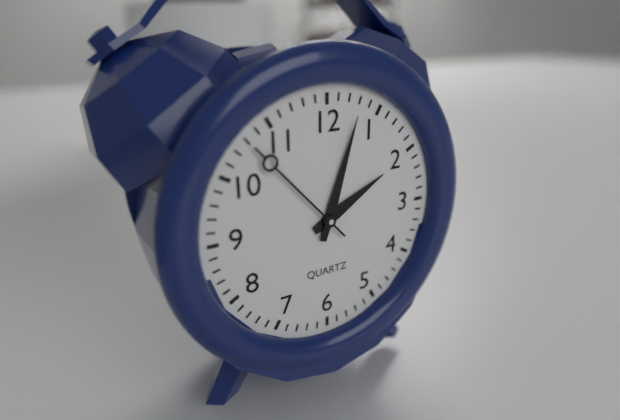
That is 2h03m53s
